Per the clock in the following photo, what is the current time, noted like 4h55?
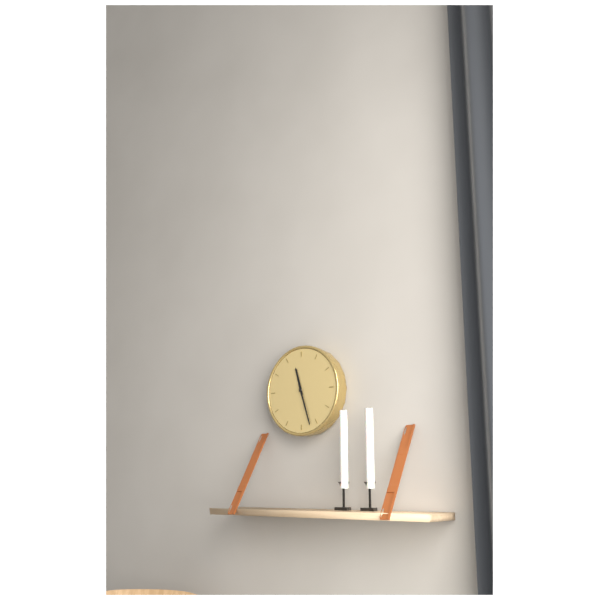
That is 11h27
